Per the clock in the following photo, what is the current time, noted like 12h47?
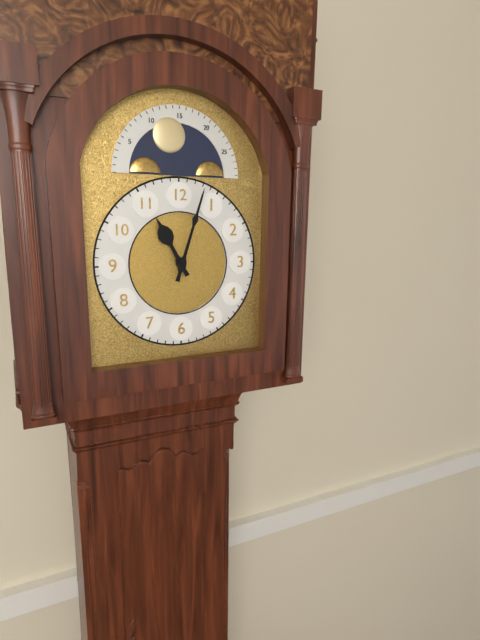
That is 11h03
